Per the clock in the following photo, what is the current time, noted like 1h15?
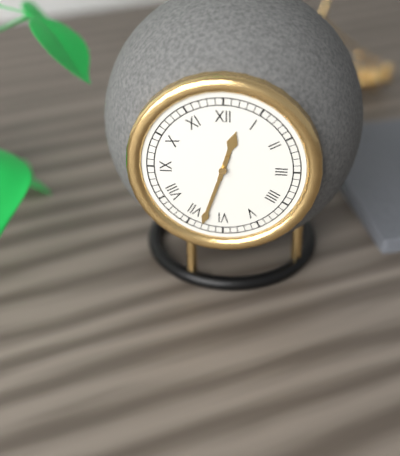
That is 12h33
